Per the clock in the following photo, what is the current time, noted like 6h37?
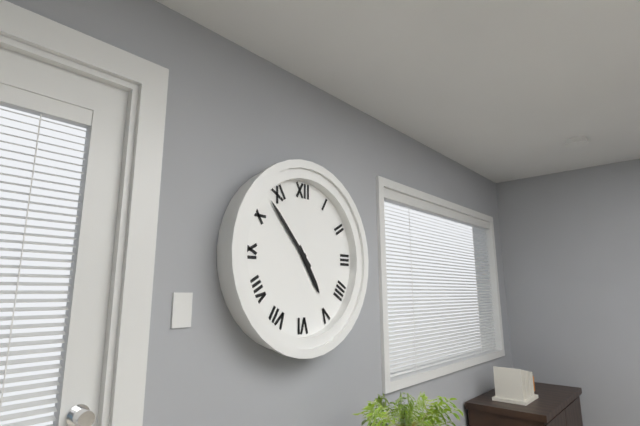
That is 4h53
